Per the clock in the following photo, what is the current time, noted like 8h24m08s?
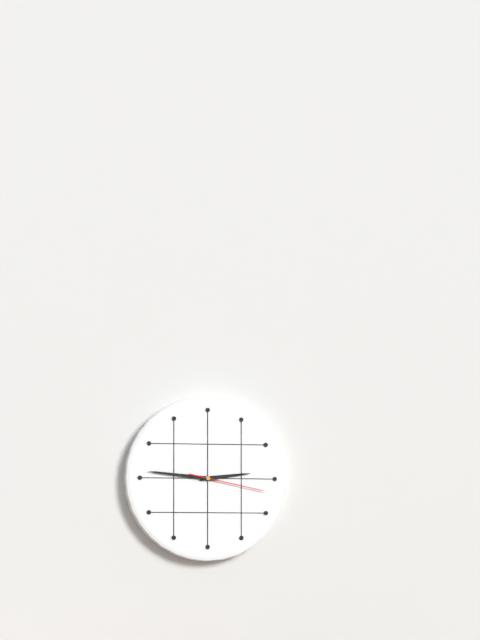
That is 2h46m17s
